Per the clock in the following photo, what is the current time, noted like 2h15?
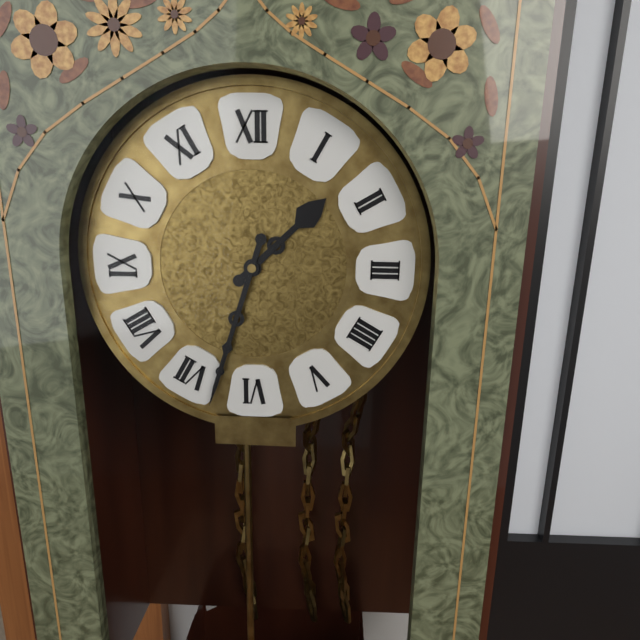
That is 1h33
